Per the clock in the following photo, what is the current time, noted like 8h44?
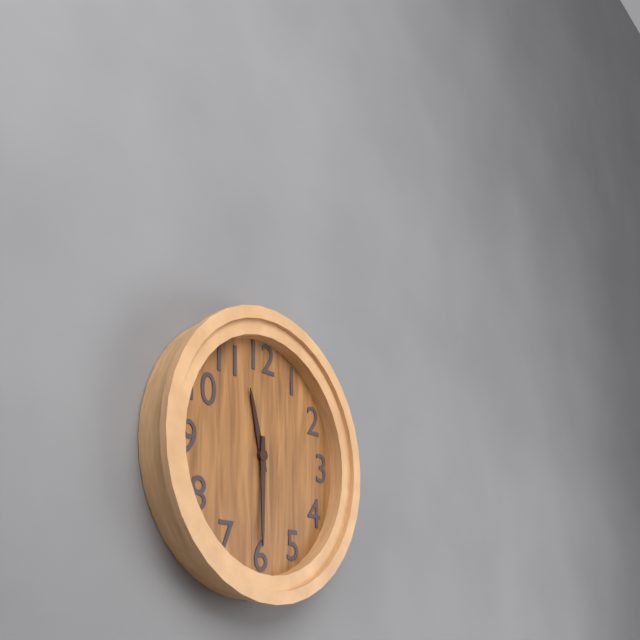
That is 11h30
